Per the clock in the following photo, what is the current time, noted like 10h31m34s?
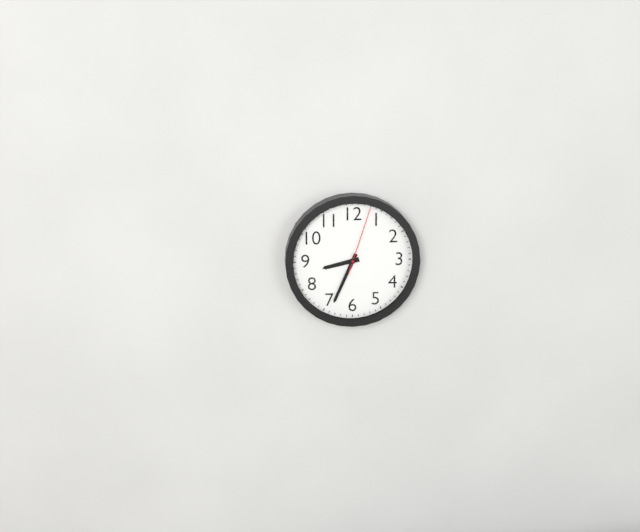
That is 8h34m03s
